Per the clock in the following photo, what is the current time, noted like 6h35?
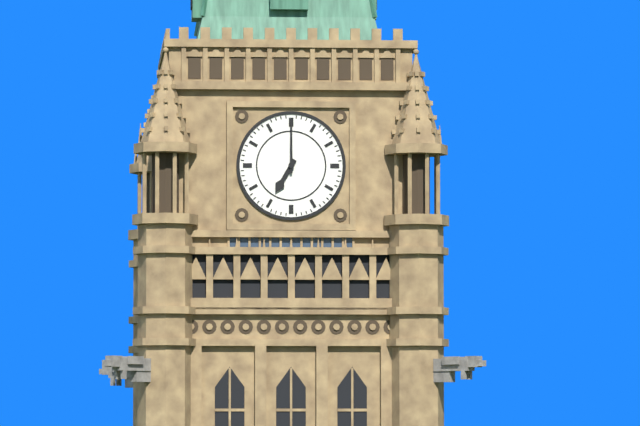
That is 7h00
